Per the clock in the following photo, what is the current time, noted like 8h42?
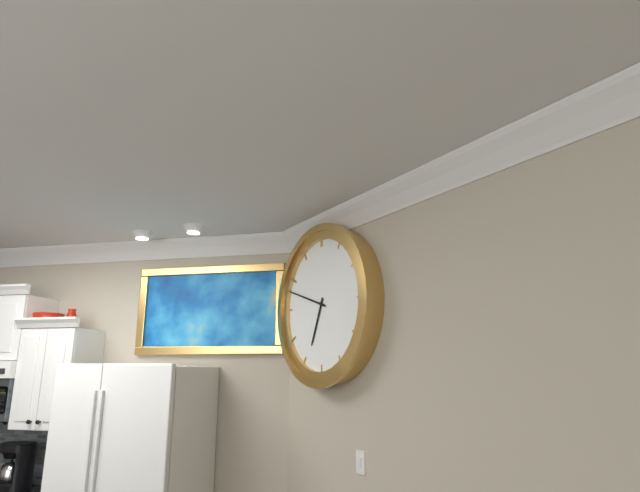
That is 6h48
